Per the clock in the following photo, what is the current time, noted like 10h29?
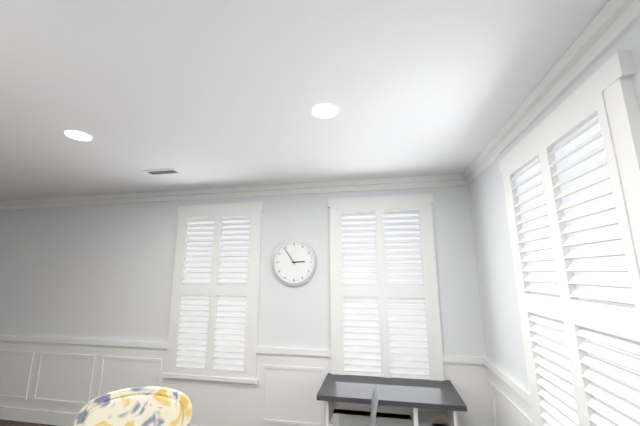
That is 2h54
